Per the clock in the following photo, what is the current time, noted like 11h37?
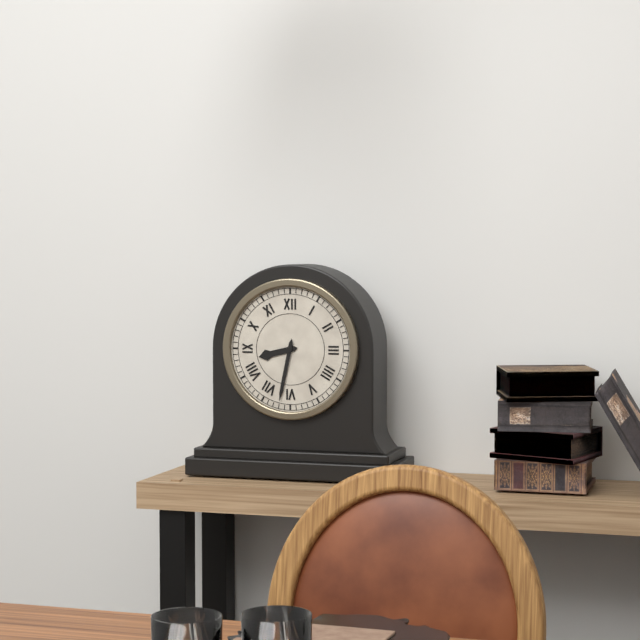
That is 8h32
